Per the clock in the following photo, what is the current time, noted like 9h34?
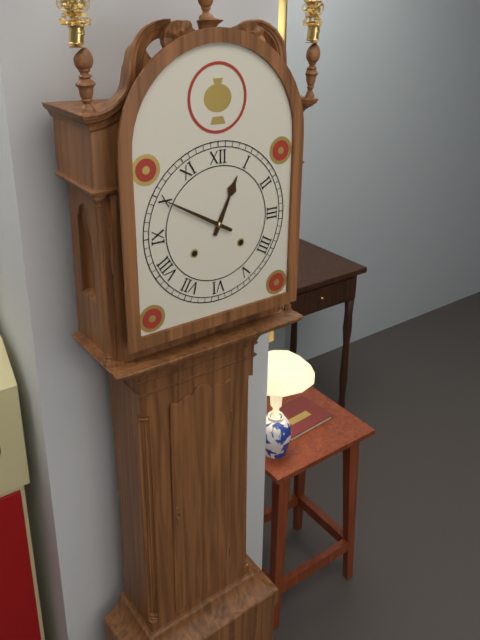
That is 12h50
